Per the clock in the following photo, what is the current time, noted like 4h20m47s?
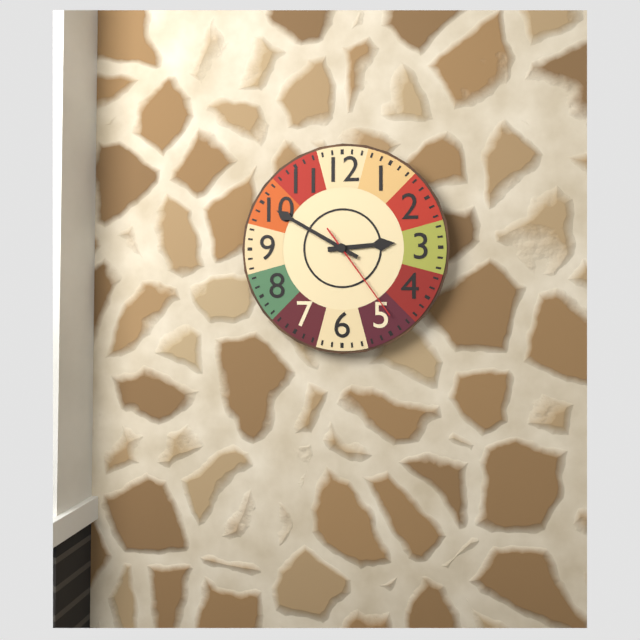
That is 2h50m24s
